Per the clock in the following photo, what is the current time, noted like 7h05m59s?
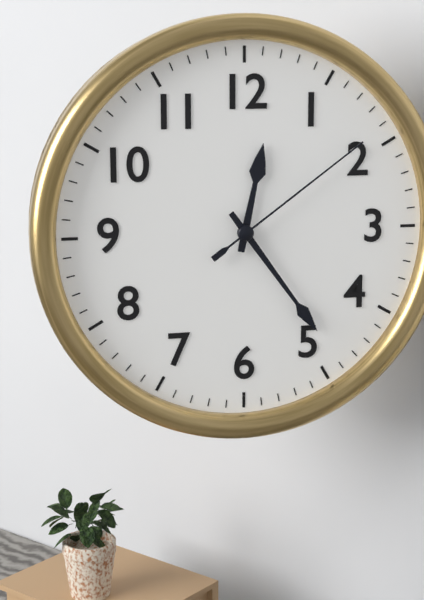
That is 12h24m09s
